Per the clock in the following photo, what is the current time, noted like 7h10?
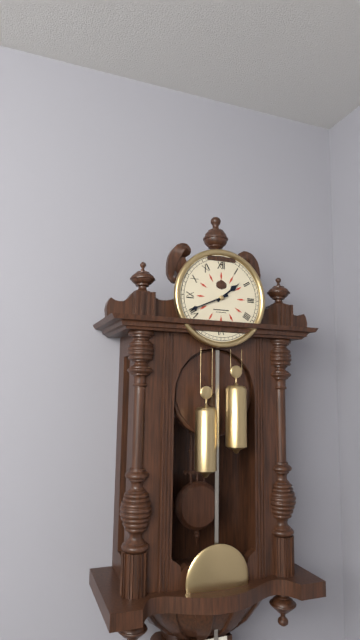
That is 1h41
